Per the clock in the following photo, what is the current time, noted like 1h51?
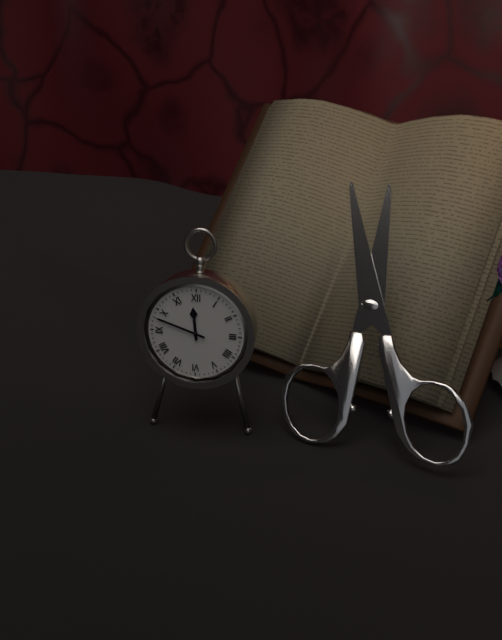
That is 11h48
